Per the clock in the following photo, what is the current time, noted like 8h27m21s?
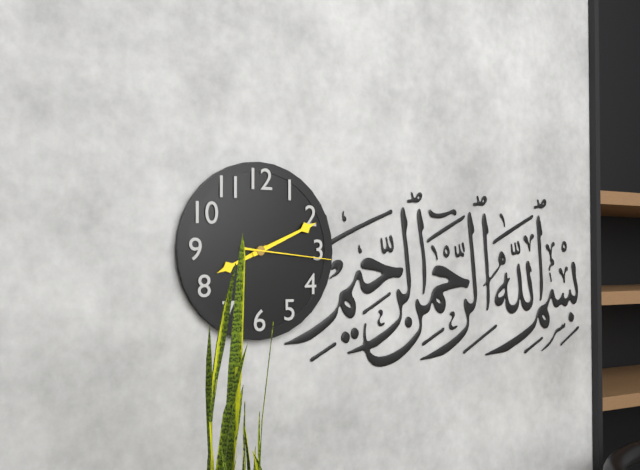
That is 8h11m16s
